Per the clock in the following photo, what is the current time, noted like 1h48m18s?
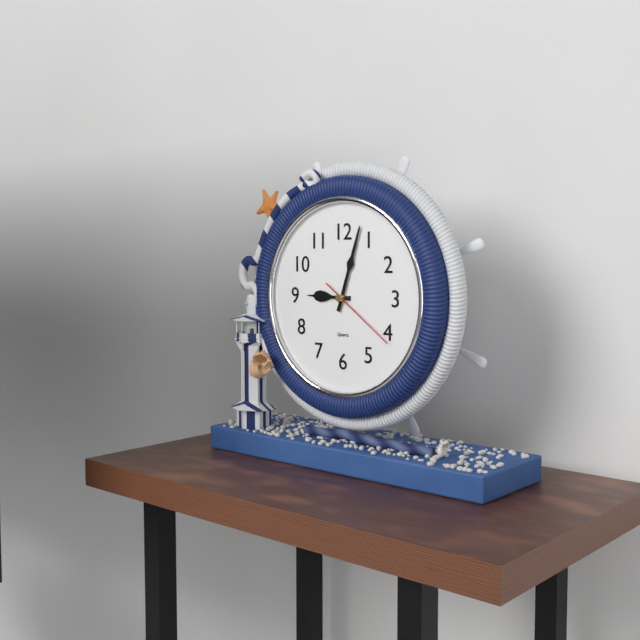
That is 9h03m21s
